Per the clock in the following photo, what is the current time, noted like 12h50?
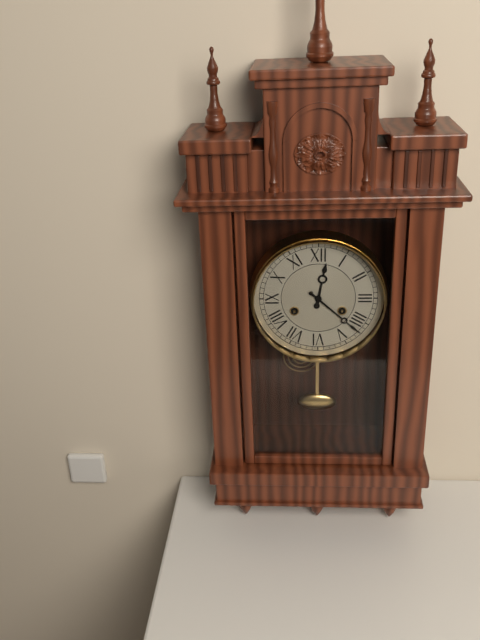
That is 12h22
